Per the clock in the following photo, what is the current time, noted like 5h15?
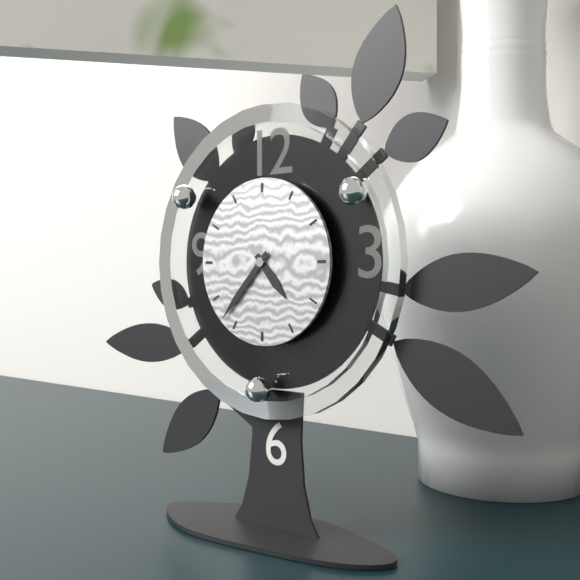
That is 4h37
